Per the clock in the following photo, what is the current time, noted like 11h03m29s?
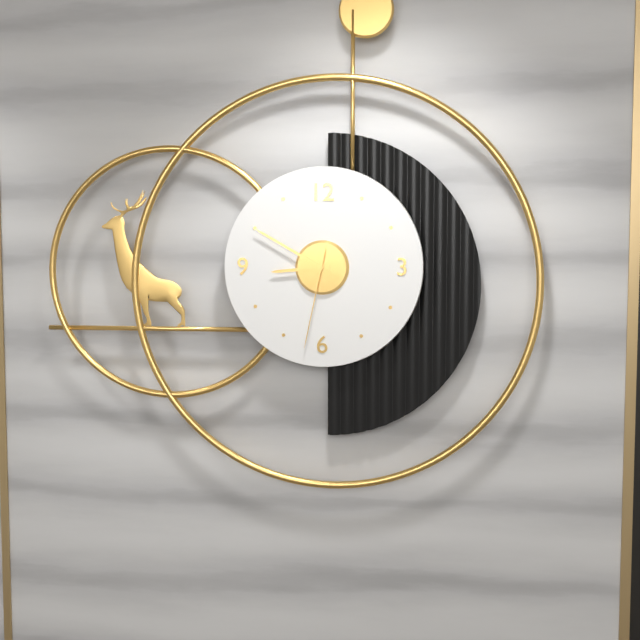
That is 8h50m32s
